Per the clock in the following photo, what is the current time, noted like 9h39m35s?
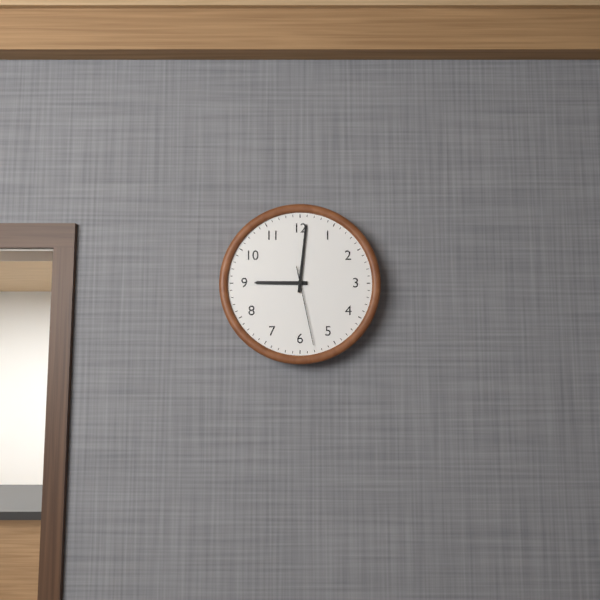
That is 9h01m28s
